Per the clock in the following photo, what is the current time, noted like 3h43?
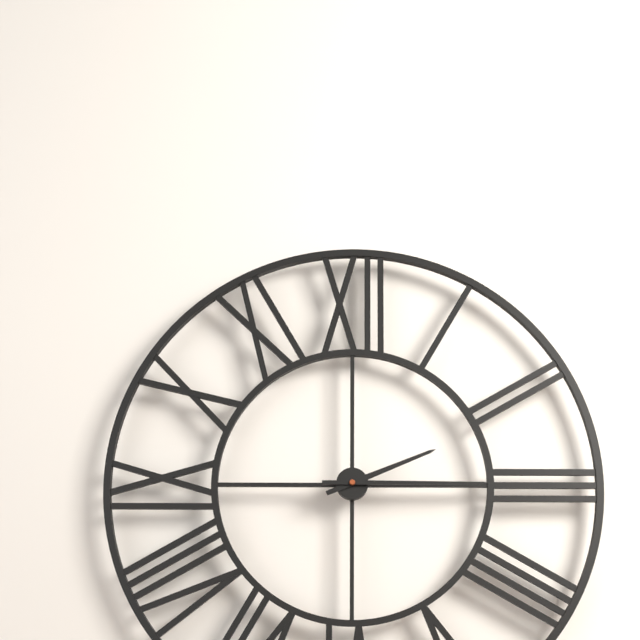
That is 2h15
